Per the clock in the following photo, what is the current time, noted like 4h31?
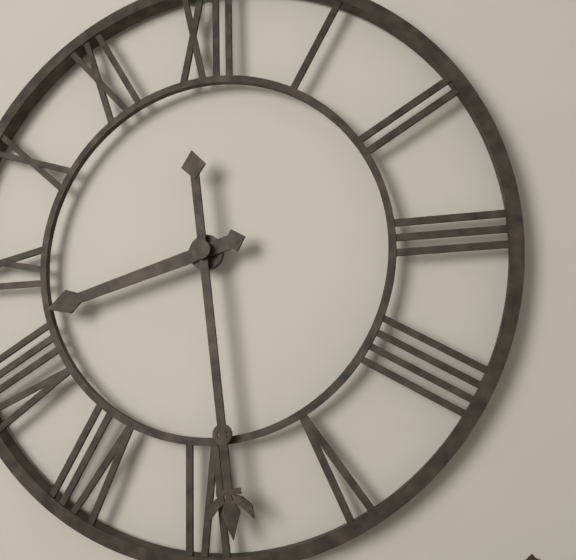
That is 8h29
